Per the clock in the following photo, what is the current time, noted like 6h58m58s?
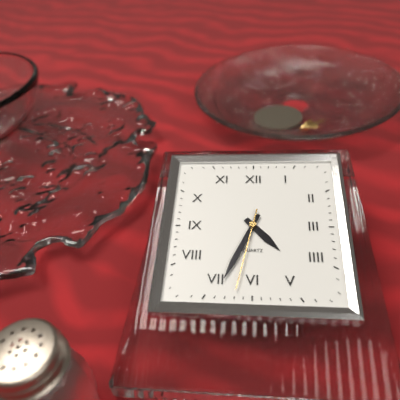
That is 4h34m32s
